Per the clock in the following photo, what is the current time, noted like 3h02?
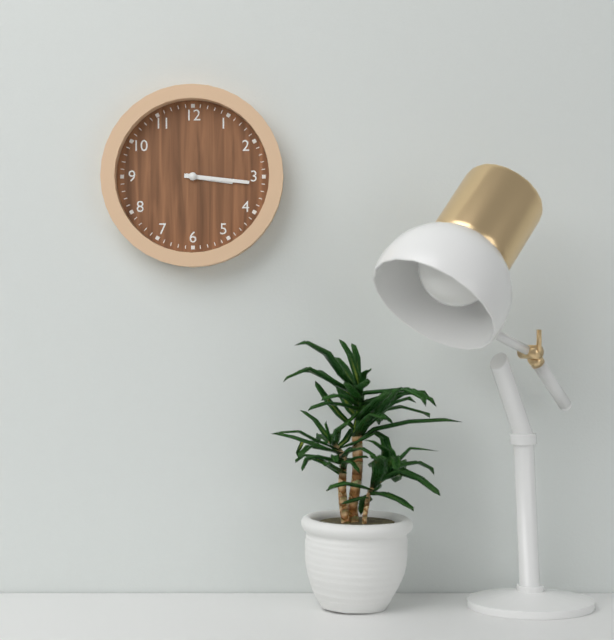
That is 3h16
